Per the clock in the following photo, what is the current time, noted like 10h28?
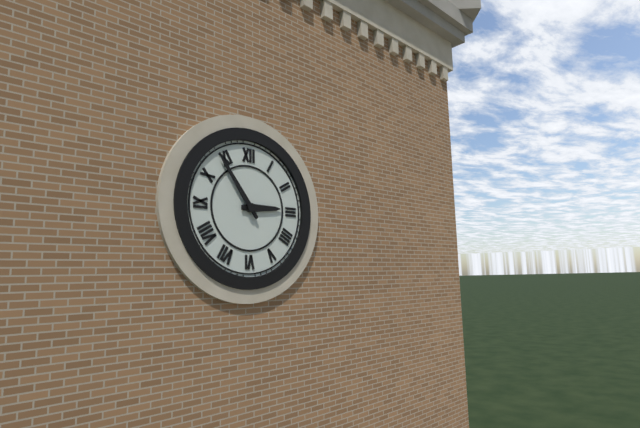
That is 2h54
